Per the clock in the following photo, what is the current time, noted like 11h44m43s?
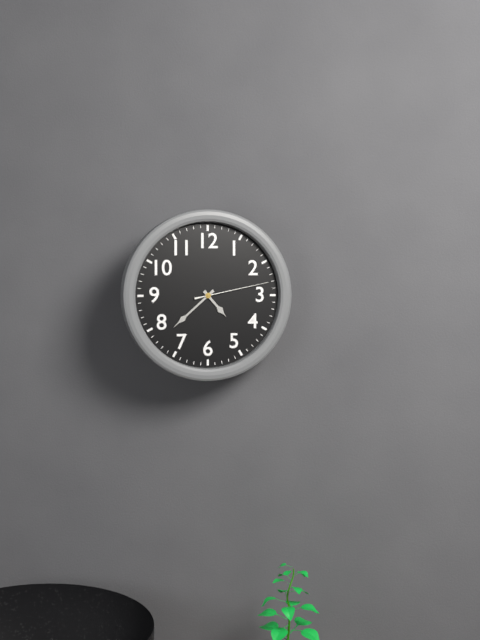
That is 4h38m13s
